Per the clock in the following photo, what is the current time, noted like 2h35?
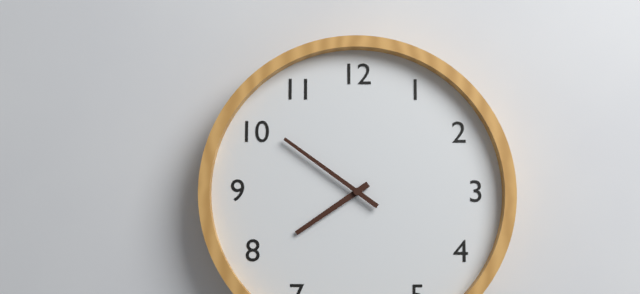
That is 7h51
